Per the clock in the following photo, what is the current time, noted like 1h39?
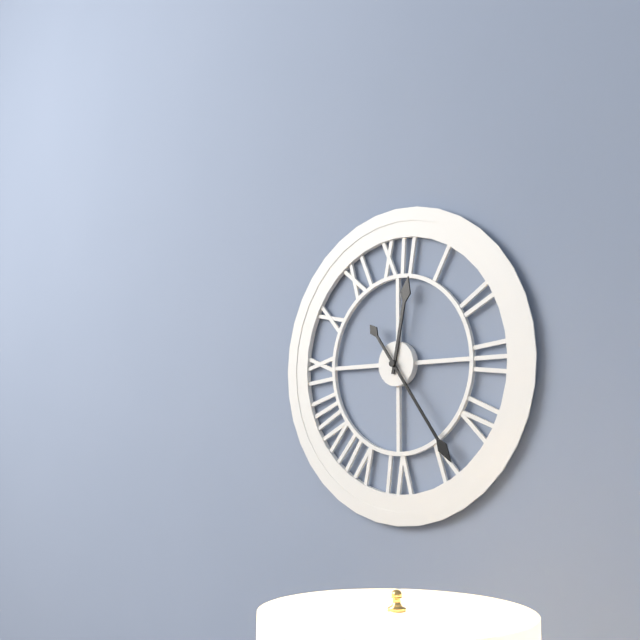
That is 12h24
